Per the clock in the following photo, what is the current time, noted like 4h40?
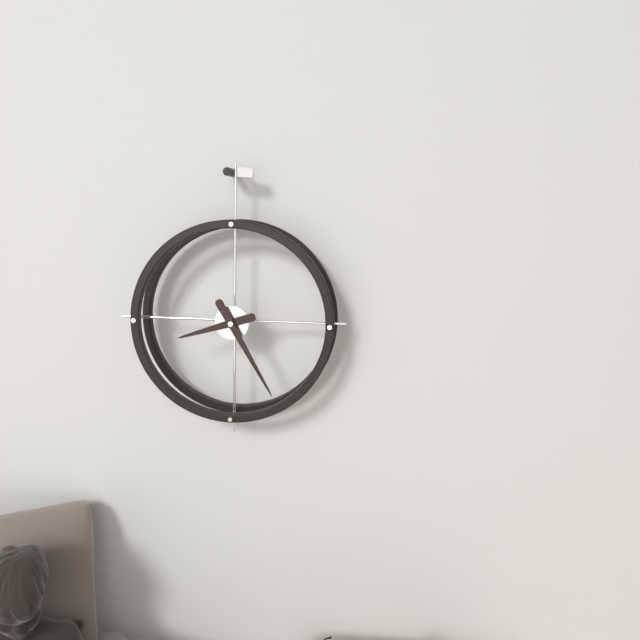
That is 8h25
